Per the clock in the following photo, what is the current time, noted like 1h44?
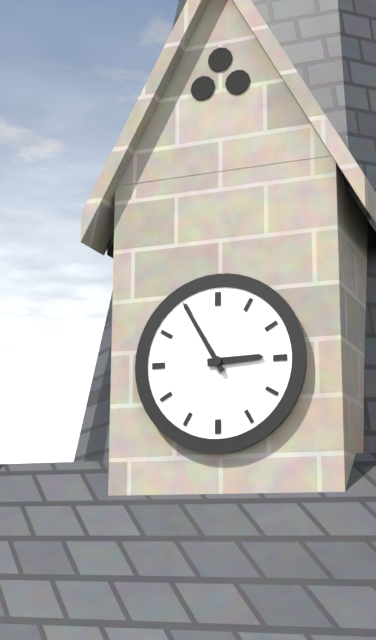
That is 2h55
